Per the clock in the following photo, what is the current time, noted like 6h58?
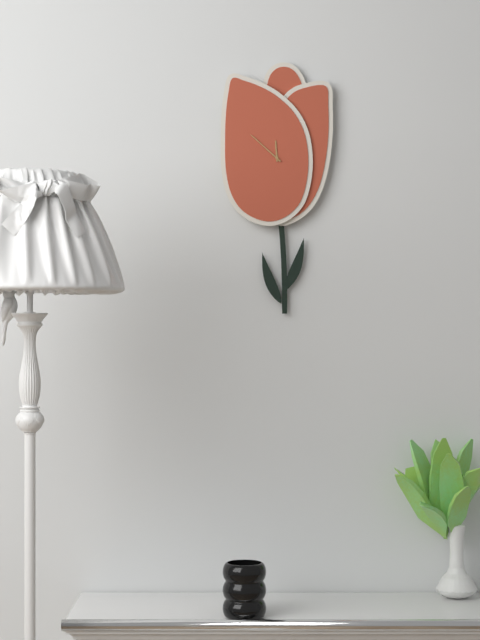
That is 11h52
